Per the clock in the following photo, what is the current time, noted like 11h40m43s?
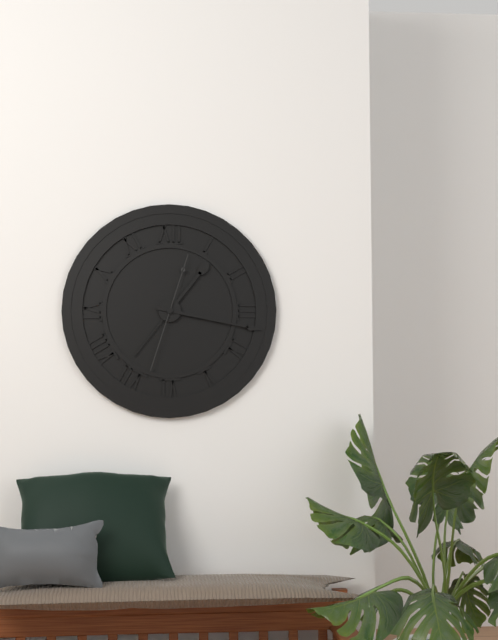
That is 1h17m33s
